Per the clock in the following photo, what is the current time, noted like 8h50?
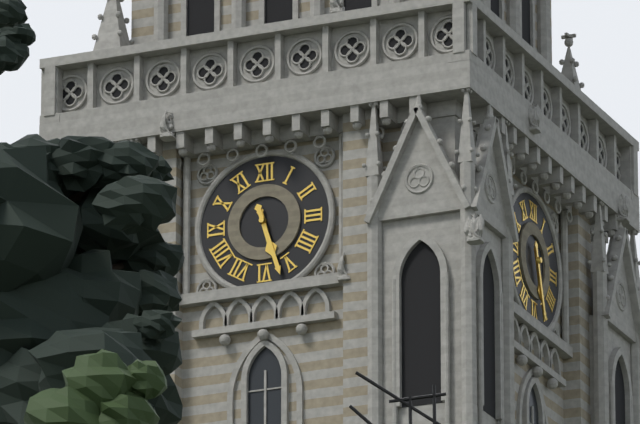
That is 5h27
